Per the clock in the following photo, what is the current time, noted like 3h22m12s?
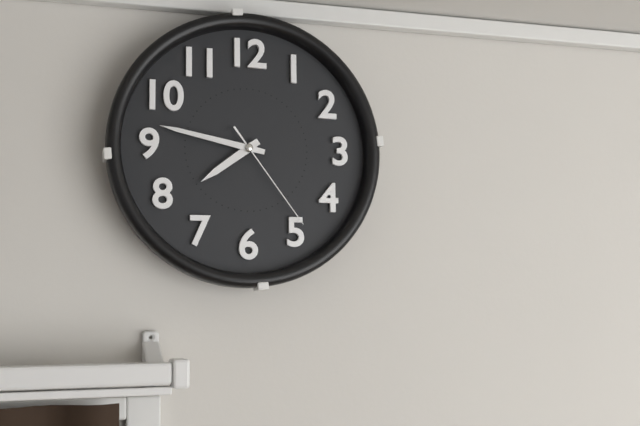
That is 7h47m24s
